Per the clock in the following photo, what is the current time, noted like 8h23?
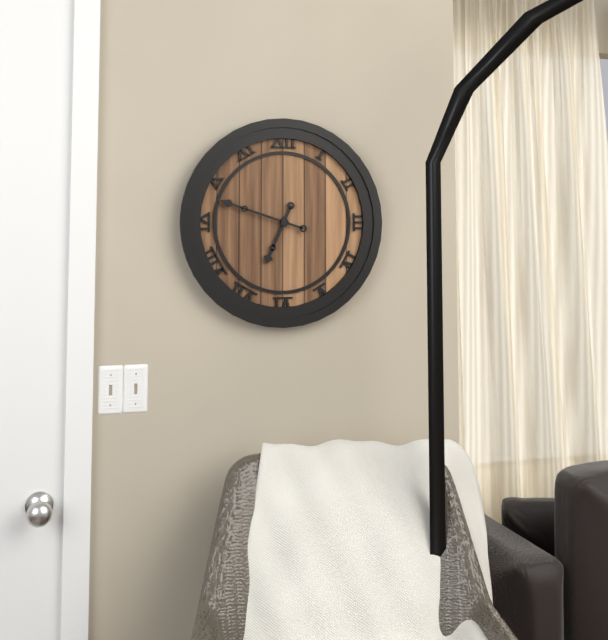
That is 6h48
